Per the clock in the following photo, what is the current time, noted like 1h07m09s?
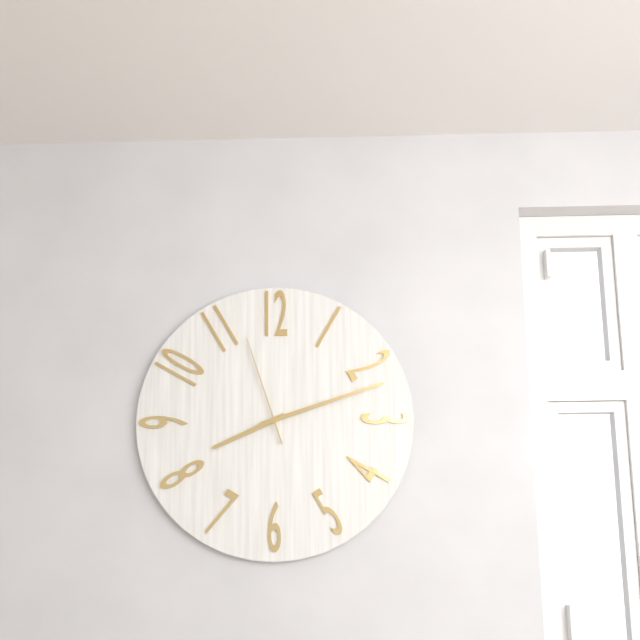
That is 8h12m57s
